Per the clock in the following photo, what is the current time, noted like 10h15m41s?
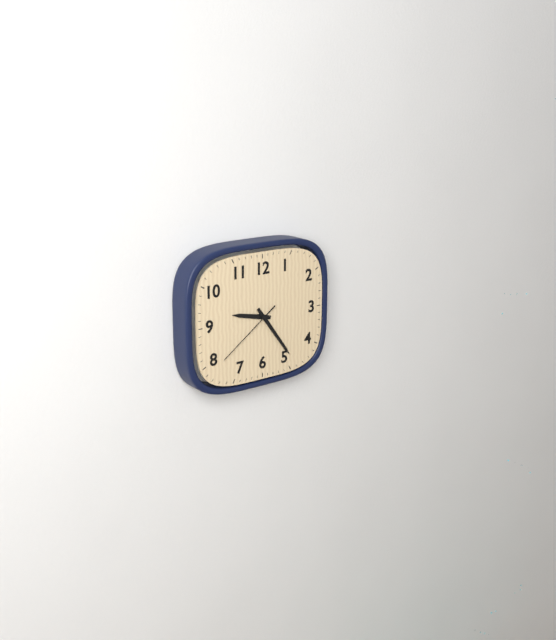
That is 9h24m39s
